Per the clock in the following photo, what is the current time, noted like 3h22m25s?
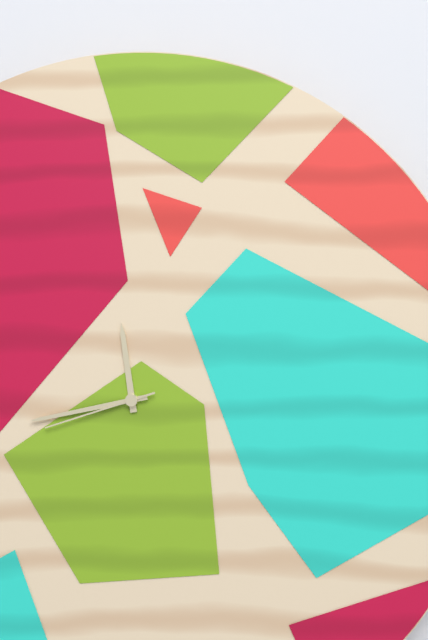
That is 11h43m42s
